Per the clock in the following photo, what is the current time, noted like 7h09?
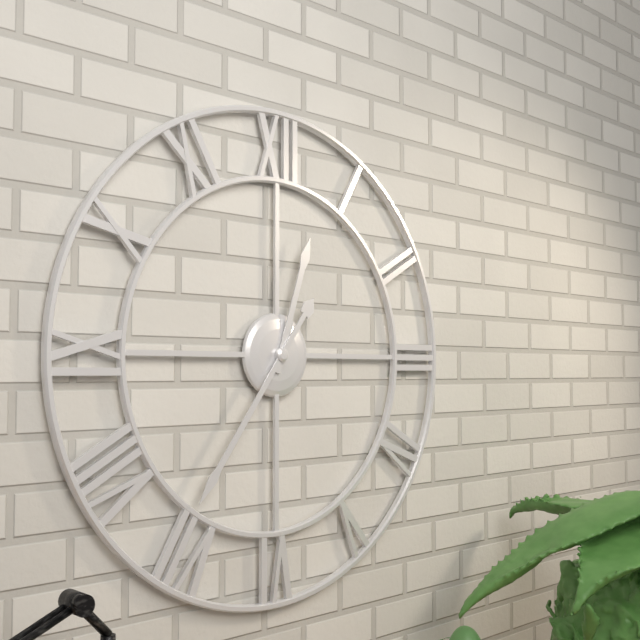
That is 12h36
